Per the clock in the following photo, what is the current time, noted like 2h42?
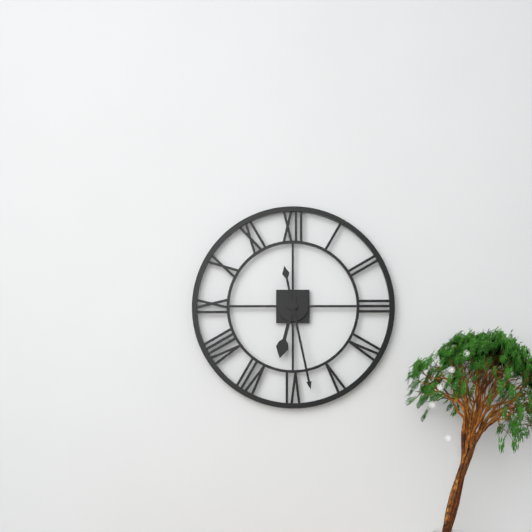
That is 6h28
